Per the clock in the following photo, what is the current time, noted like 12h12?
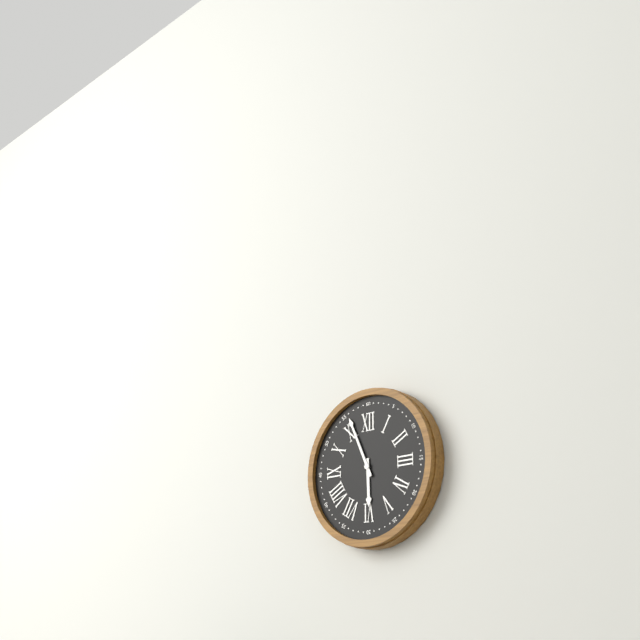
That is 5h56
